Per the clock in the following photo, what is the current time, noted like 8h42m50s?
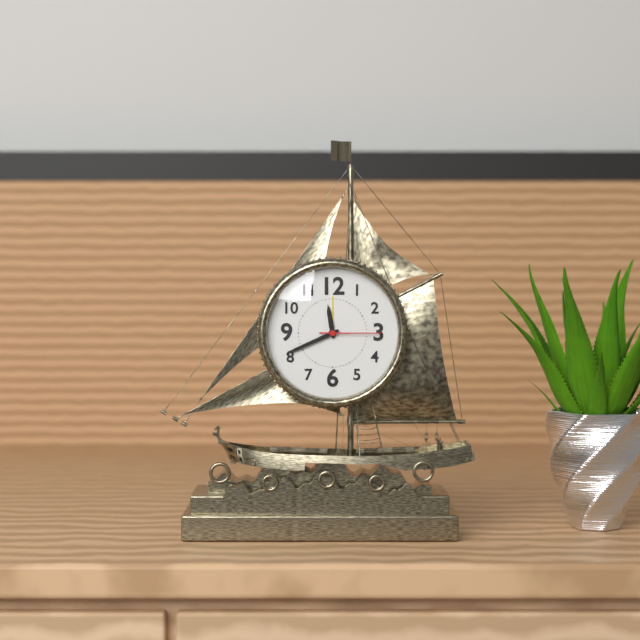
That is 11h41m15s
